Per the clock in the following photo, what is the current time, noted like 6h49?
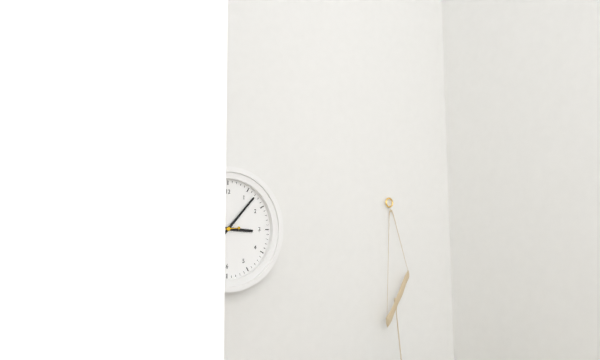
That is 3h07
